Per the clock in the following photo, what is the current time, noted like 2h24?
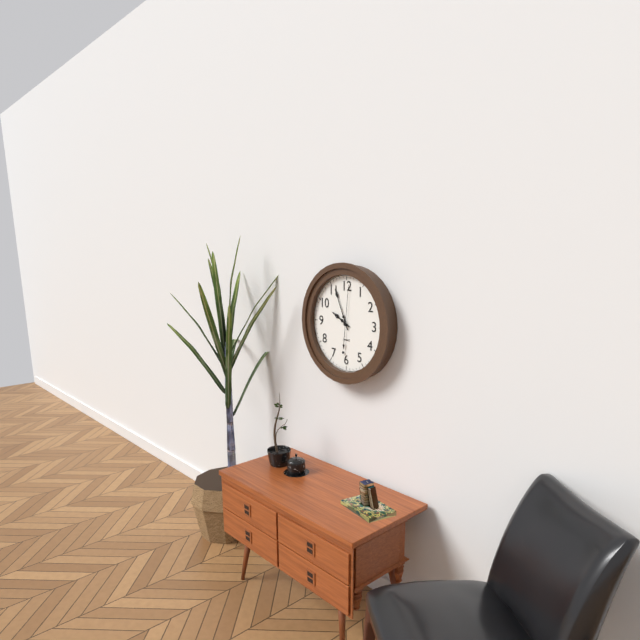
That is 9h56
